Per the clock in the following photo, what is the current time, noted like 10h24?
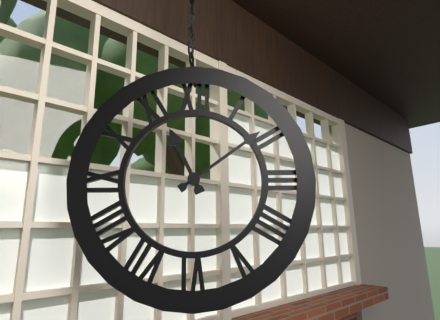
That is 11h09
